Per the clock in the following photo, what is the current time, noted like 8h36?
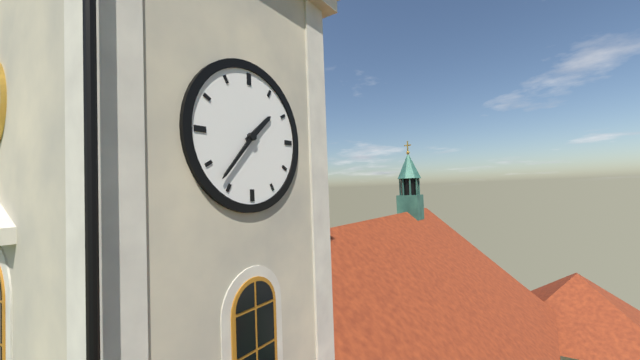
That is 1h37
